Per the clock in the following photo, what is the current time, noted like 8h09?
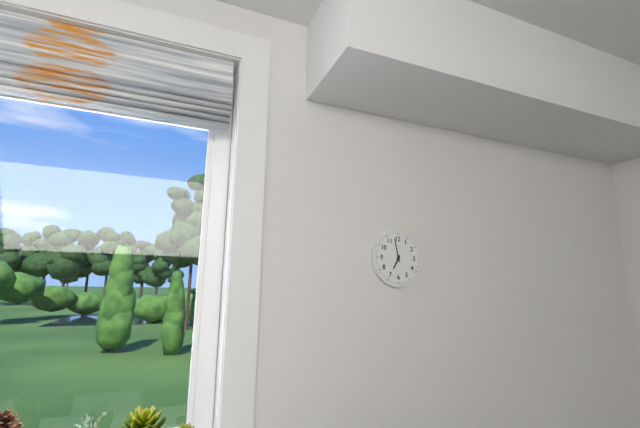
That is 6h58
